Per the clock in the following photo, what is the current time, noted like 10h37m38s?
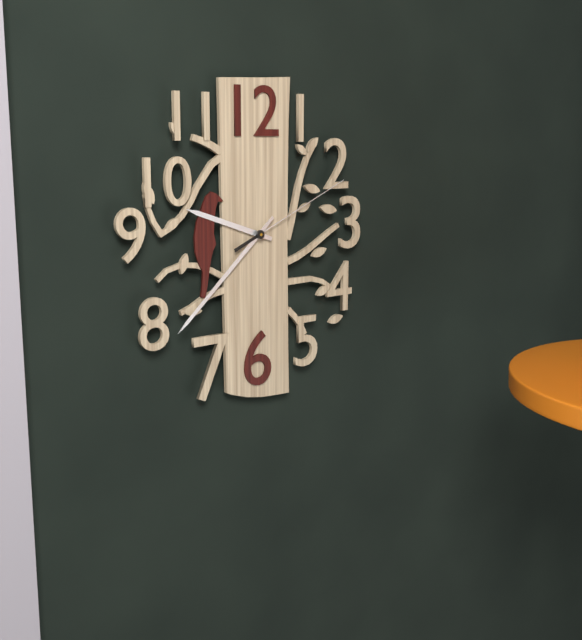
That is 9h38m11s
